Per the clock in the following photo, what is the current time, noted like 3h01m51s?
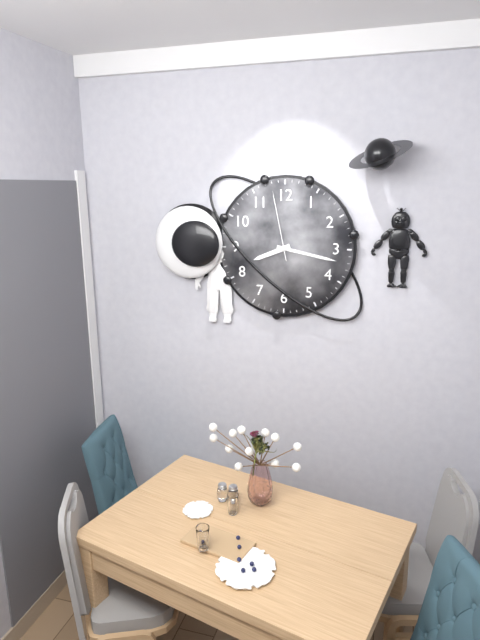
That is 8h17m58s
